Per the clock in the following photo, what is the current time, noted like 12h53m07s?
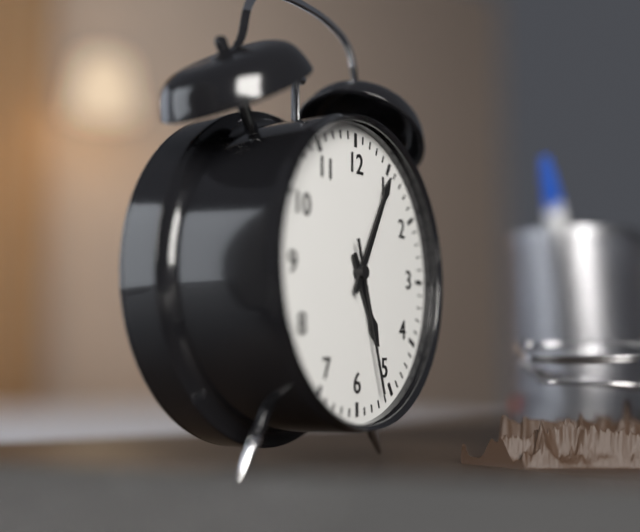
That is 5h05m27s
